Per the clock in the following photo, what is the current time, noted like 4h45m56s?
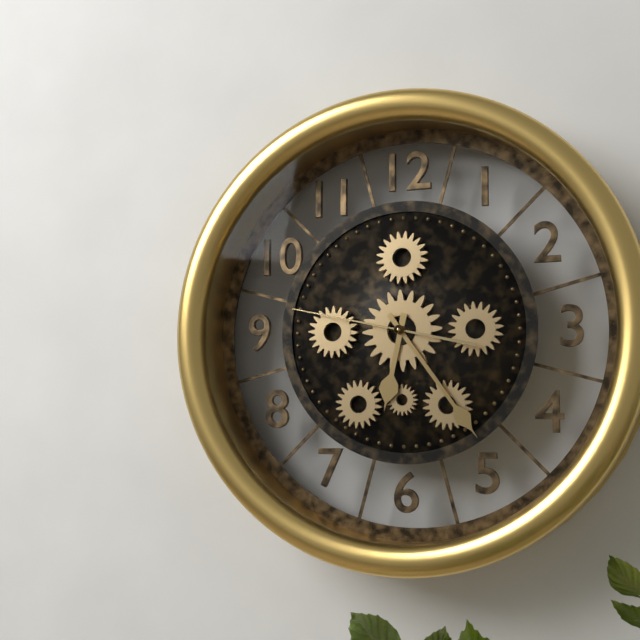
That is 6h24m47s
